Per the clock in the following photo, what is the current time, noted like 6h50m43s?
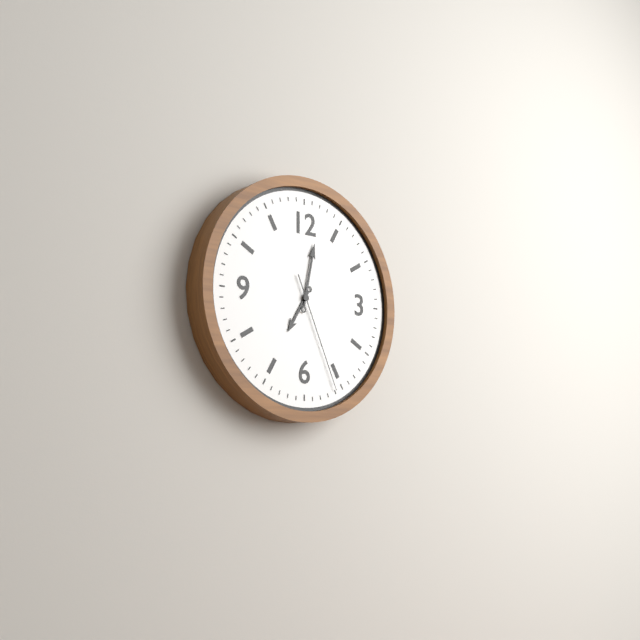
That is 7h02m26s
